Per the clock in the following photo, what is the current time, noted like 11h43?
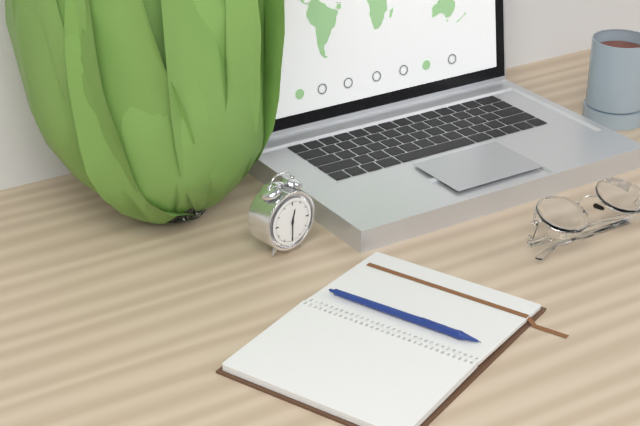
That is 12h30
